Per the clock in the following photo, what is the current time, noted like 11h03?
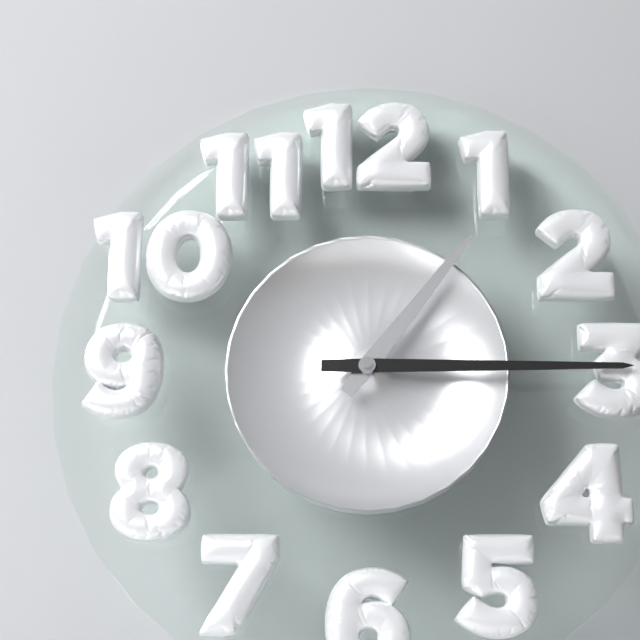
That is 1h15
